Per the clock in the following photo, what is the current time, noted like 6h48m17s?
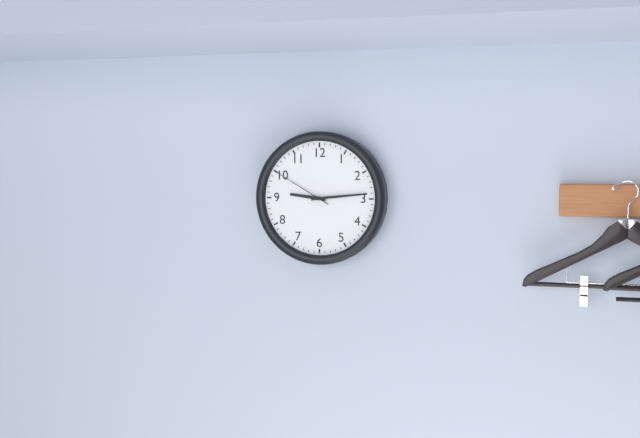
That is 9h14m50s
